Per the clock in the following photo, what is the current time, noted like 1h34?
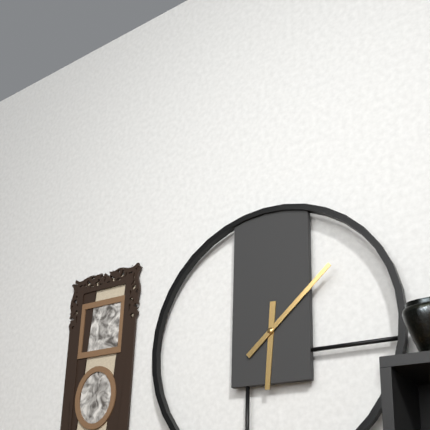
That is 6h08
